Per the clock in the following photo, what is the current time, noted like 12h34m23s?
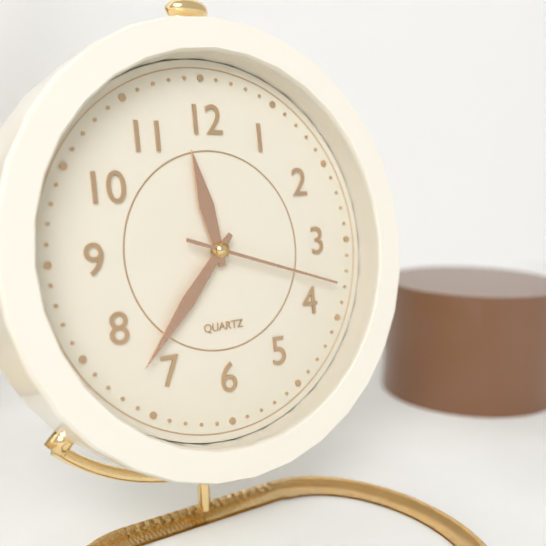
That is 11h37m18s
